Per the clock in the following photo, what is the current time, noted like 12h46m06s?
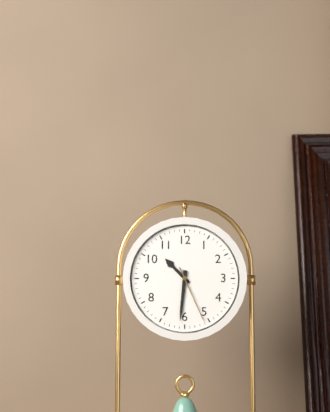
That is 10h31m26s
